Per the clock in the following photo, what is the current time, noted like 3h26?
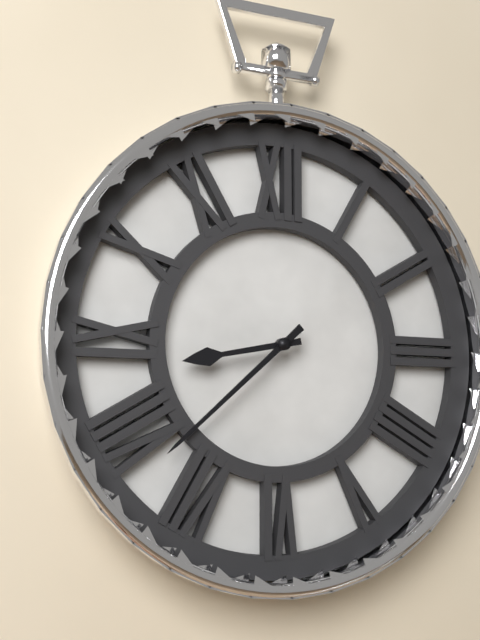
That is 8h38
